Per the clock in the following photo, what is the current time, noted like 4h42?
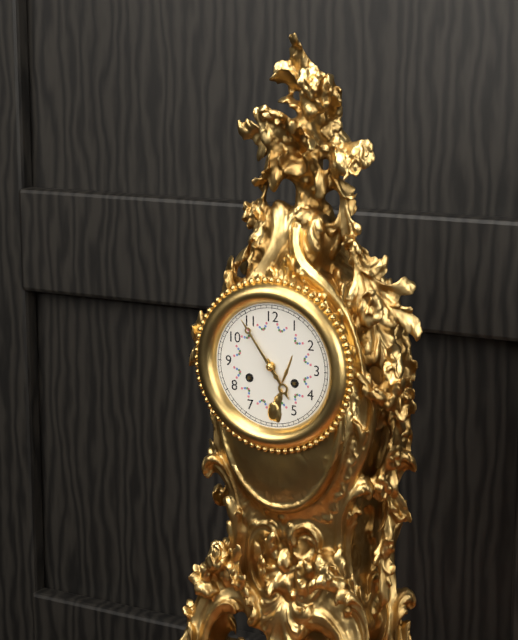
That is 4h54
